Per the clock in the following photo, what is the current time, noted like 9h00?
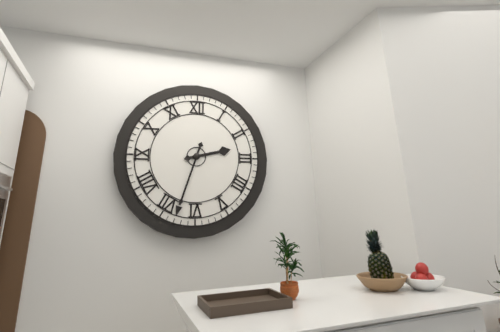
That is 2h33
